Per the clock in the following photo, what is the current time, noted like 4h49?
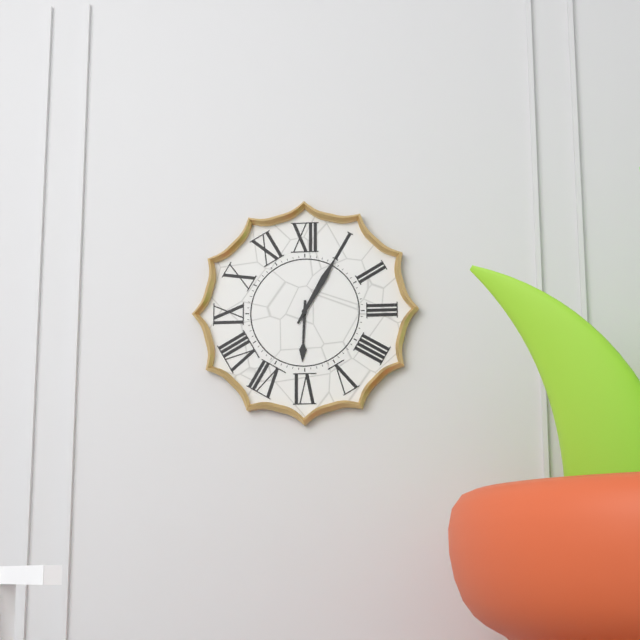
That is 6h05
